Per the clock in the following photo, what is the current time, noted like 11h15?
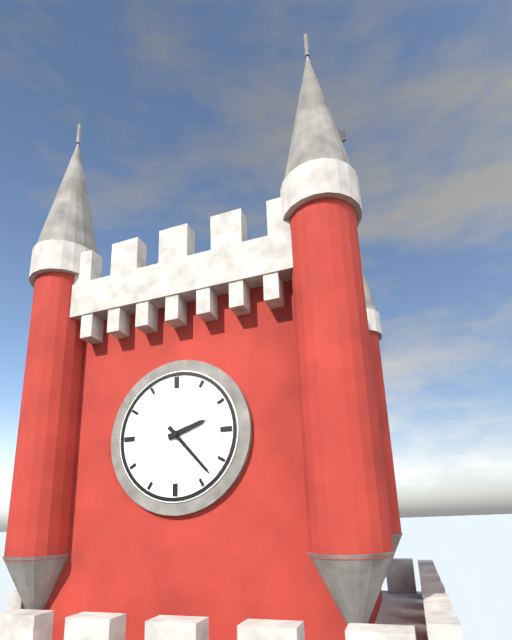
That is 2h23
